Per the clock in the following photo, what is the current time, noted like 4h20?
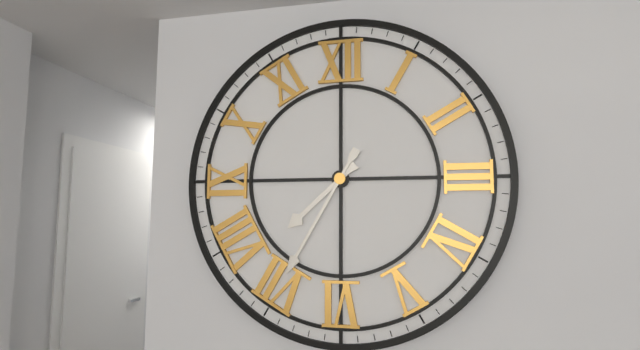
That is 7h35
